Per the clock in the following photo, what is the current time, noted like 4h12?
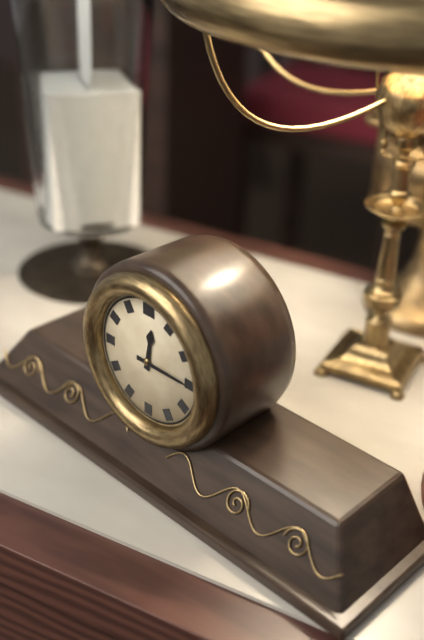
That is 12h15
